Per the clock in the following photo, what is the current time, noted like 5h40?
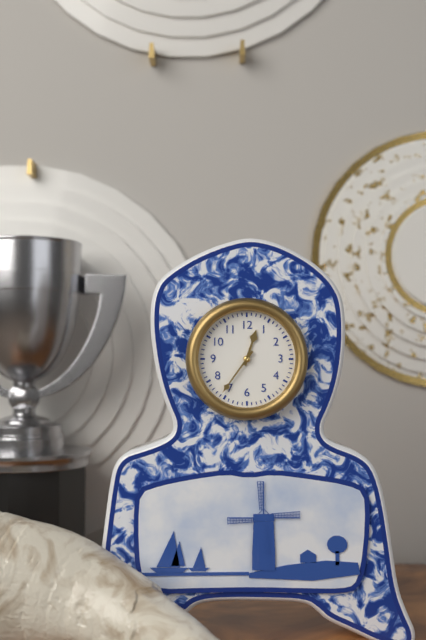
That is 12h36
